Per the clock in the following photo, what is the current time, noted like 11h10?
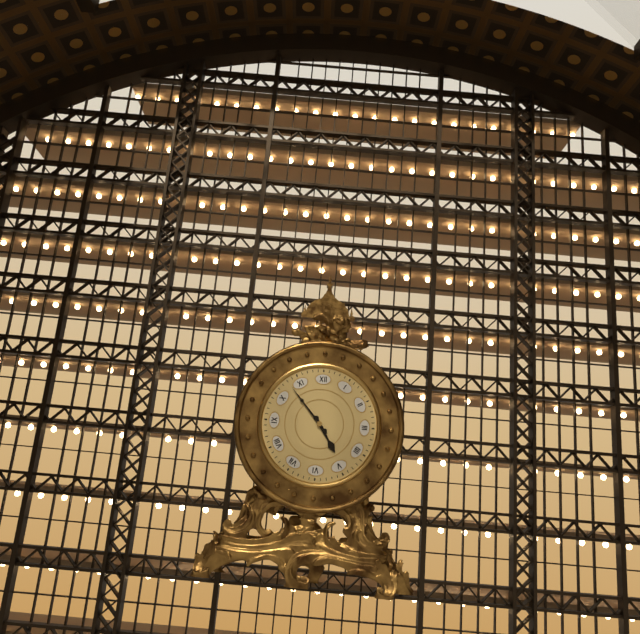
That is 4h53
